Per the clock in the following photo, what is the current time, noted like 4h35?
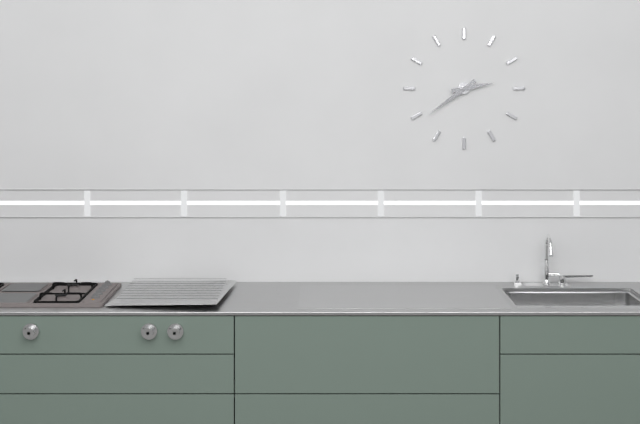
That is 2h39
